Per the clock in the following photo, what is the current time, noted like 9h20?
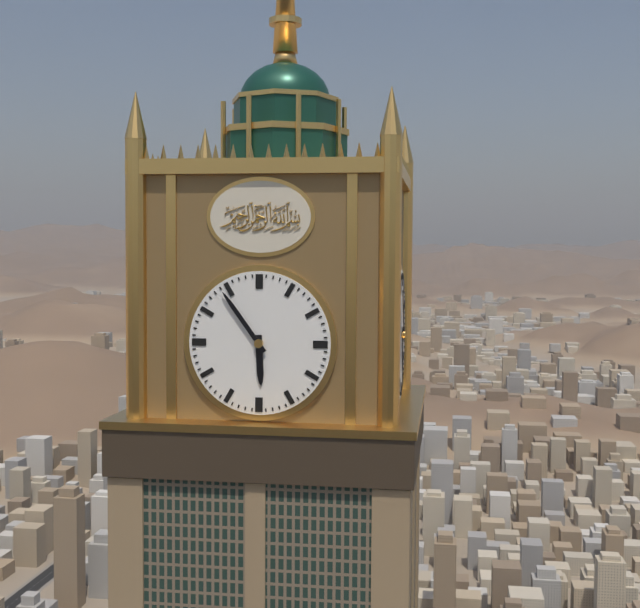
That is 5h54
